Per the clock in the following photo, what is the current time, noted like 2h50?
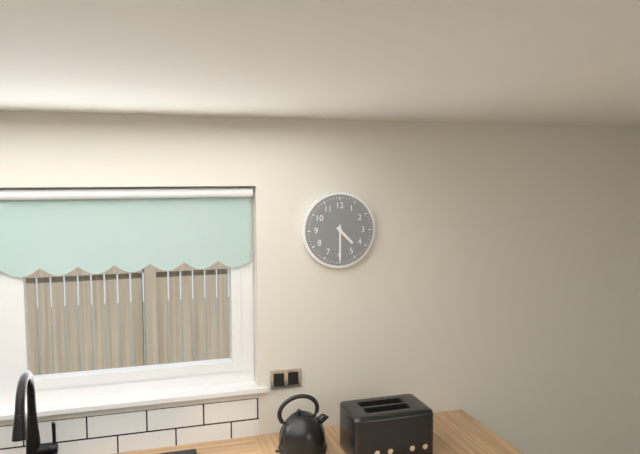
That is 4h30
